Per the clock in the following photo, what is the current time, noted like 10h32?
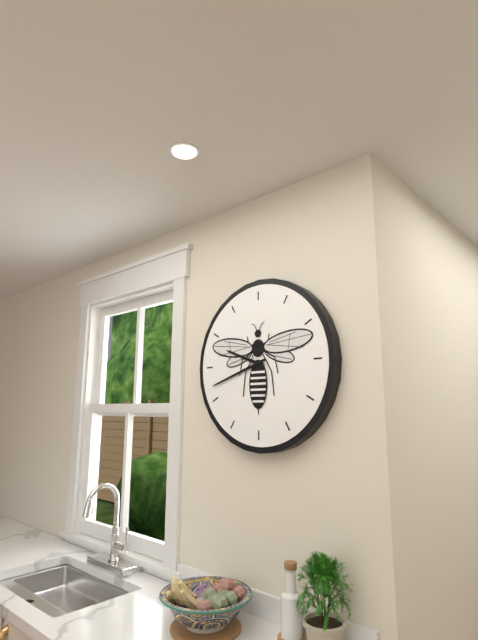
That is 9h42
